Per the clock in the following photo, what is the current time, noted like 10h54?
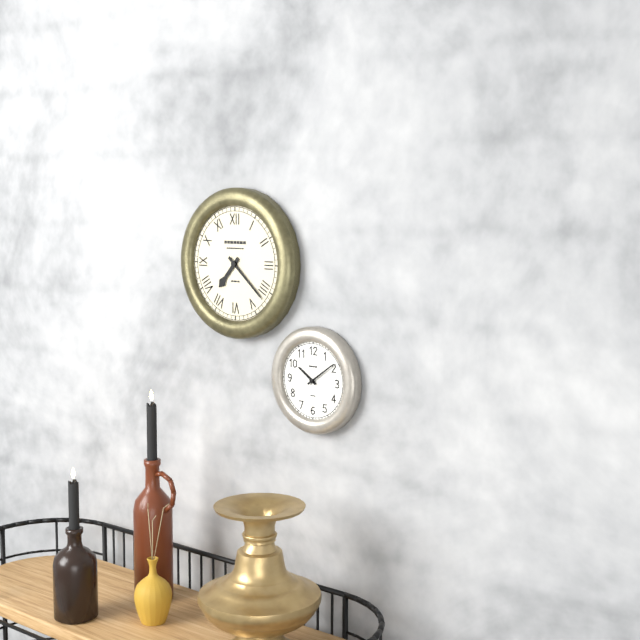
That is 7h22
